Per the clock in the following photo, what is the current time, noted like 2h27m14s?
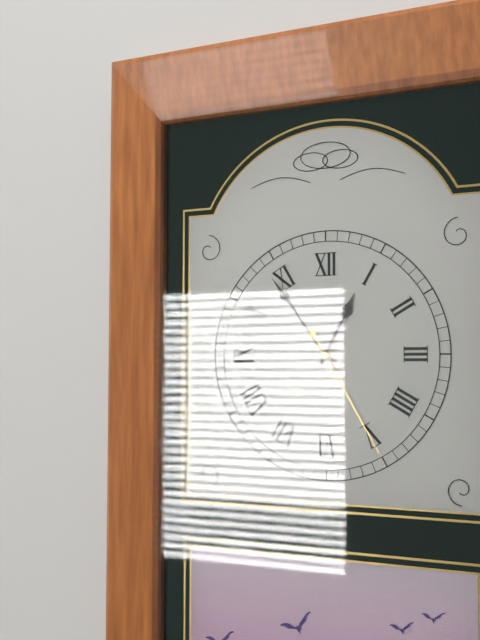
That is 12h54m25s
